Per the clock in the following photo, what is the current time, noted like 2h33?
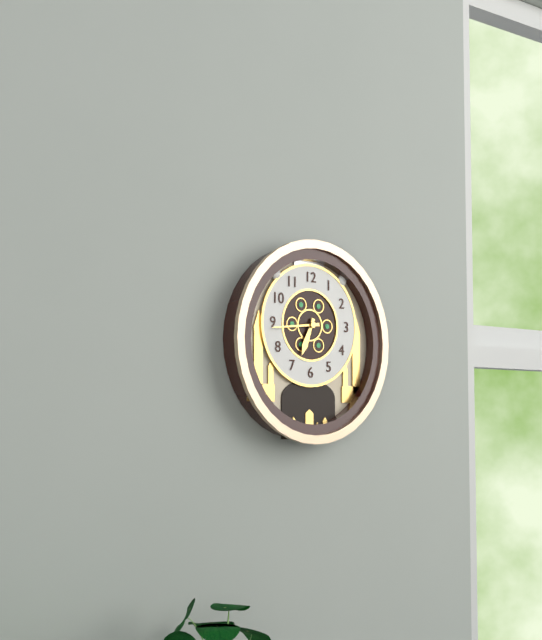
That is 6h44
